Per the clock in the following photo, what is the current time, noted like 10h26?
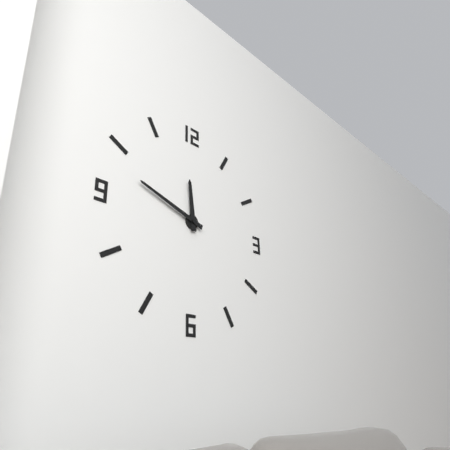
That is 11h48
